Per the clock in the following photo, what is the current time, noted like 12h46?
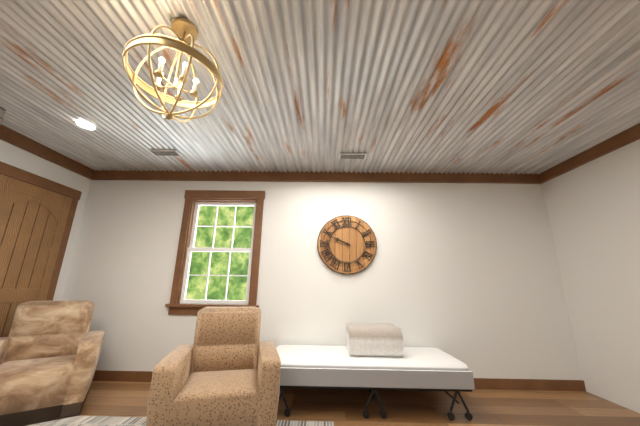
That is 9h49
